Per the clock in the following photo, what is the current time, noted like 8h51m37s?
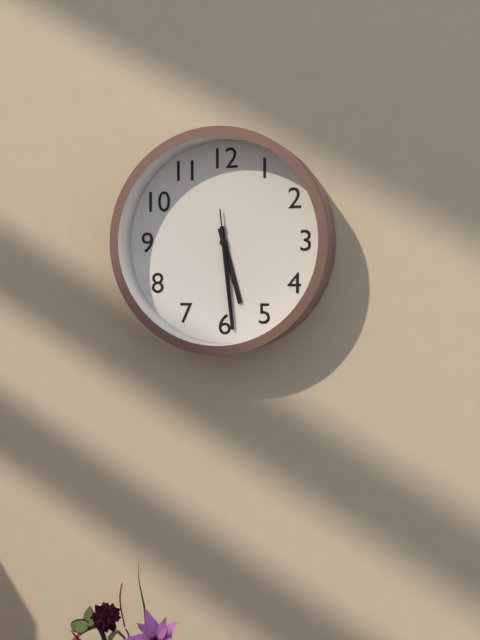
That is 5h29m29s
